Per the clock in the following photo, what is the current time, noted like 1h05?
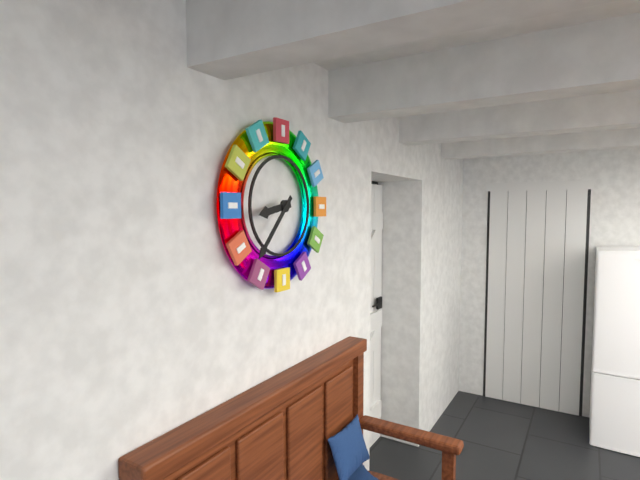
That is 8h37
